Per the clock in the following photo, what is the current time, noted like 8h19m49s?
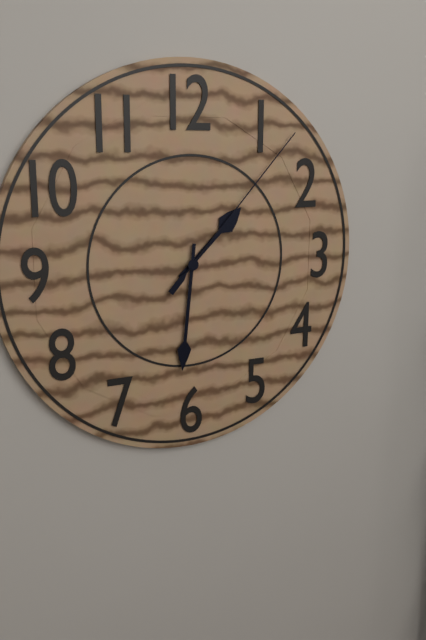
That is 1h31m07s
